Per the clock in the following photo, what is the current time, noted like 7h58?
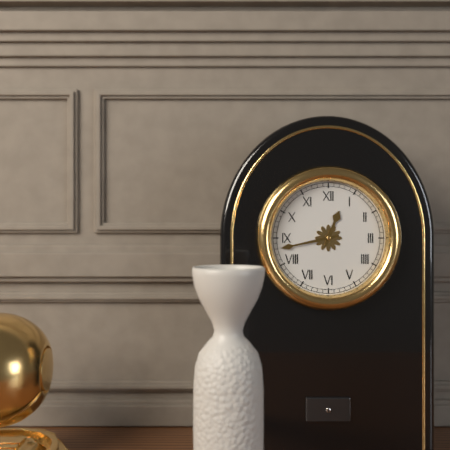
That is 12h43
